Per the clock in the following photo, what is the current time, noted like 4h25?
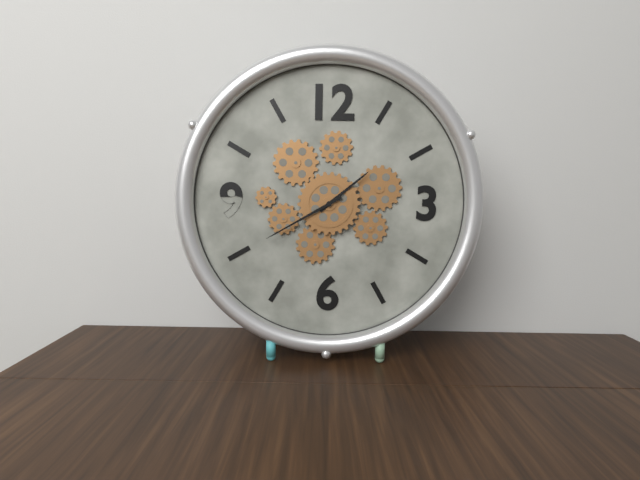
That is 1h40
